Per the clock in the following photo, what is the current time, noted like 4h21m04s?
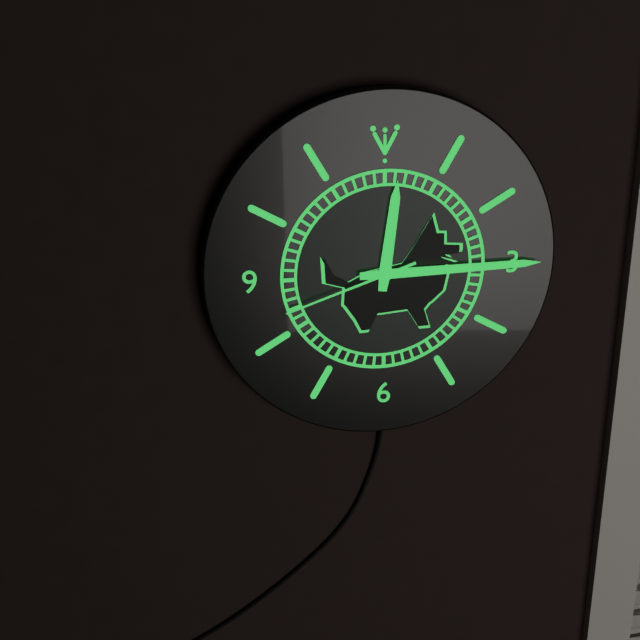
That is 12h15m42s
